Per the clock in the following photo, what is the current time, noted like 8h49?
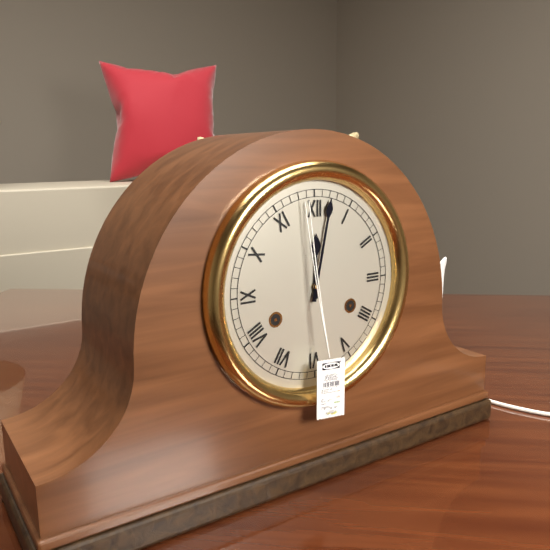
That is 12h02
